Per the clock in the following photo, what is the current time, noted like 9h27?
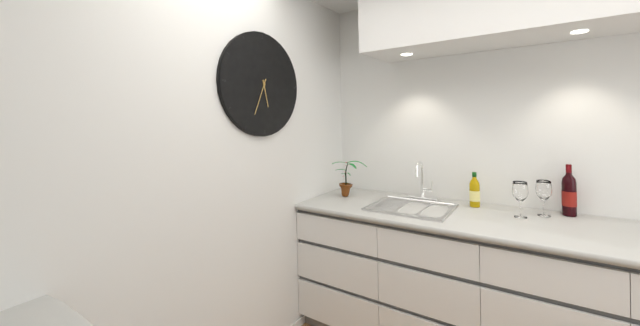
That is 5h34
